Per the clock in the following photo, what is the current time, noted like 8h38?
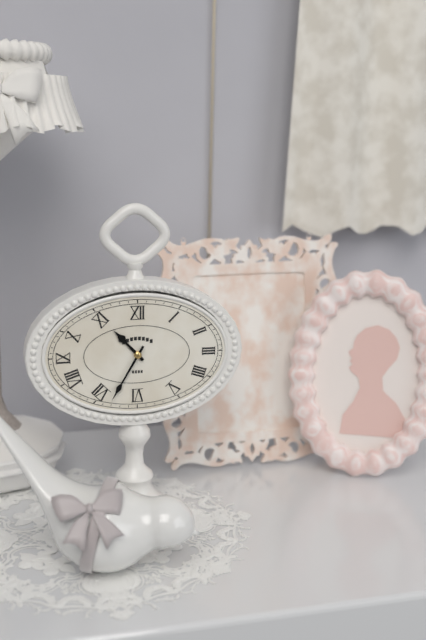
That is 10h35
